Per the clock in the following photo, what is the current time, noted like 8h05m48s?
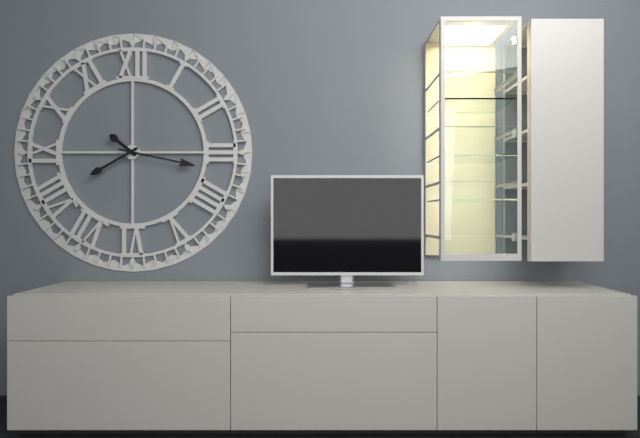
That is 10h17m40s
